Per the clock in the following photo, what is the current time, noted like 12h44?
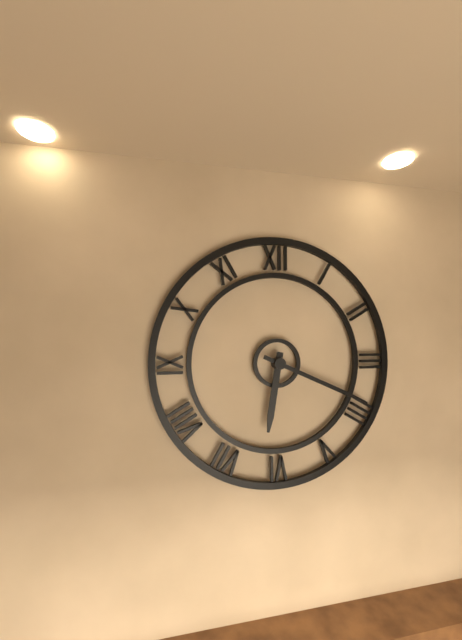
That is 6h19
